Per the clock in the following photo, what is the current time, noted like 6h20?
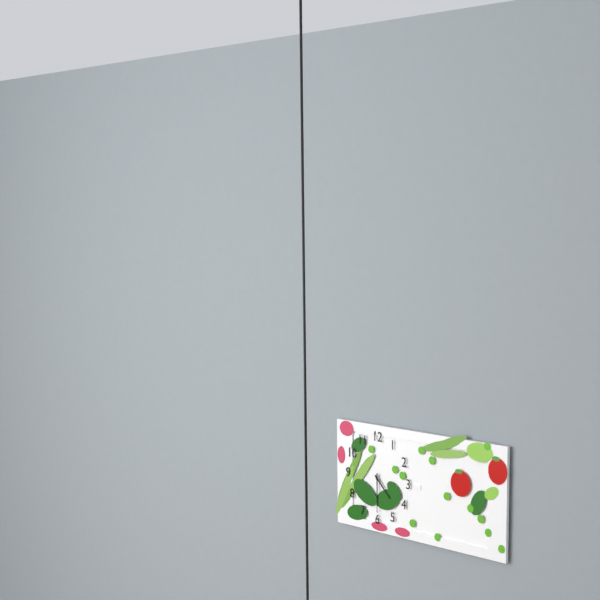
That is 4h30
